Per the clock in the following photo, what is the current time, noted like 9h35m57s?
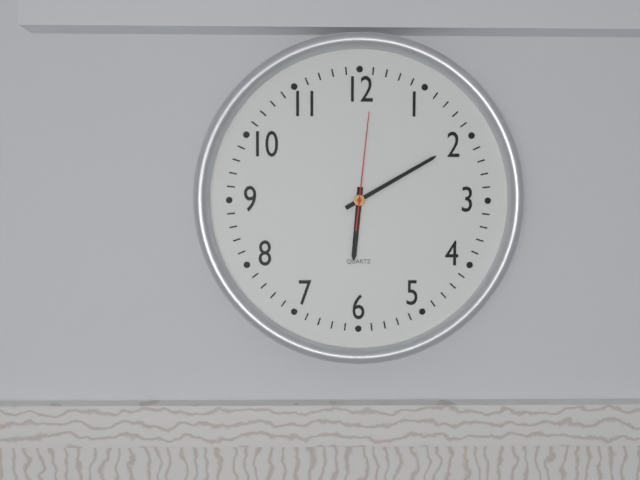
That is 6h10m01s
